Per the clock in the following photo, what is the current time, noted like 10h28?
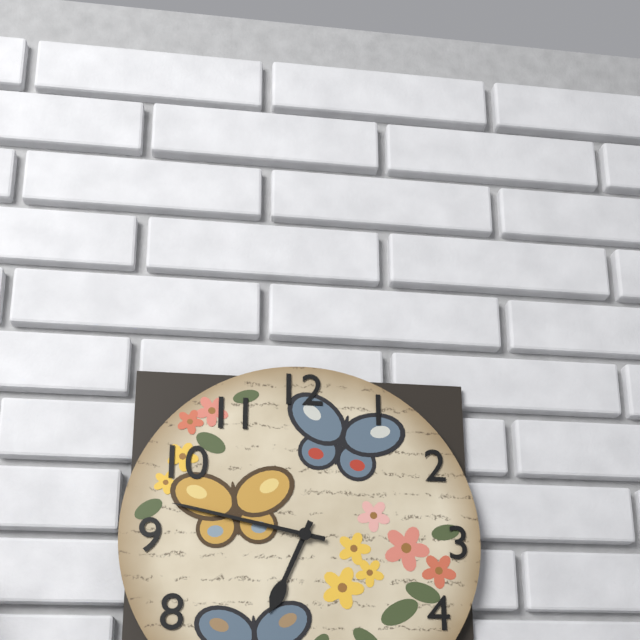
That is 6h47
